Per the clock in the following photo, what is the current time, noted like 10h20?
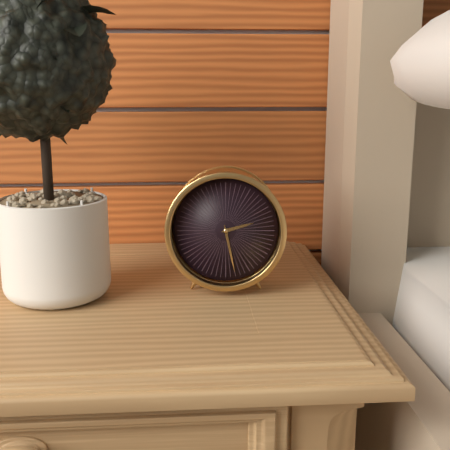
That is 2h28
